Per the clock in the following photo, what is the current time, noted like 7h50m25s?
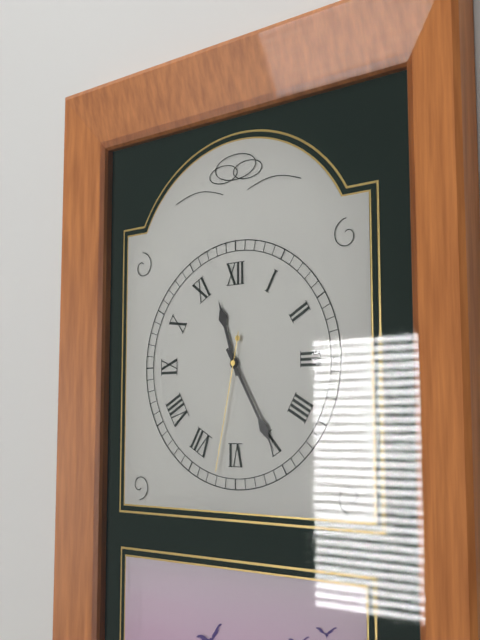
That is 11h25m32s
